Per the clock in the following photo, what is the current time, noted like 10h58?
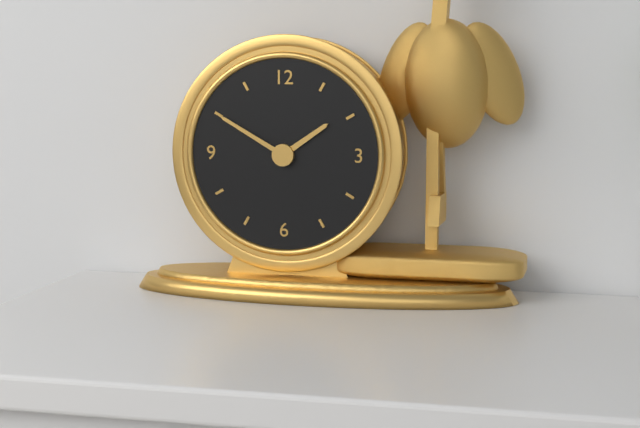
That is 1h50
